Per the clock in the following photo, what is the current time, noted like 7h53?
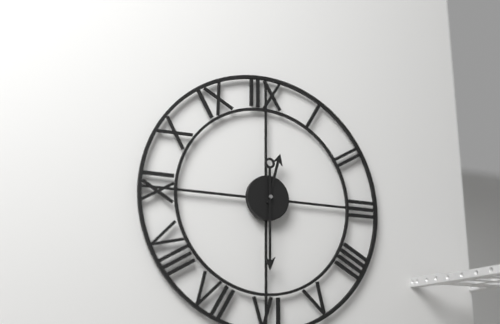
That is 12h30
